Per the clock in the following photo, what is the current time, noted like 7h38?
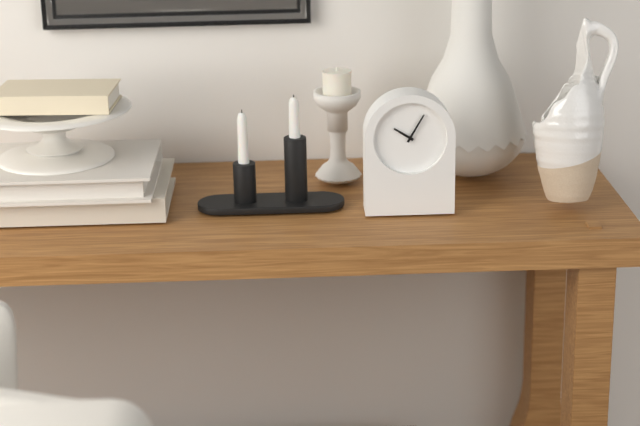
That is 10h05
